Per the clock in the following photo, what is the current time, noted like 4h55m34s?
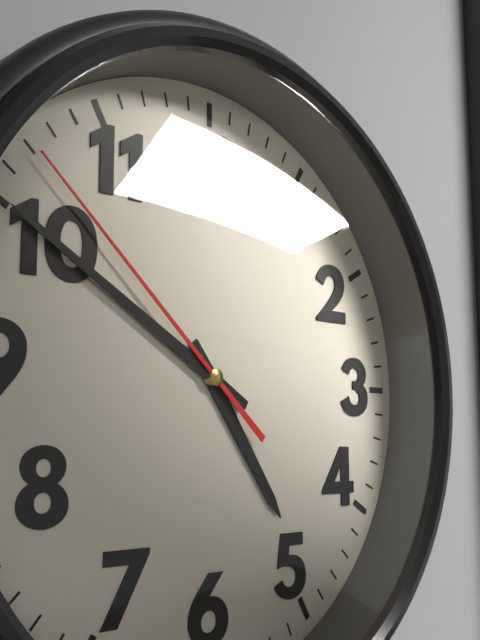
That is 4h50m52s
